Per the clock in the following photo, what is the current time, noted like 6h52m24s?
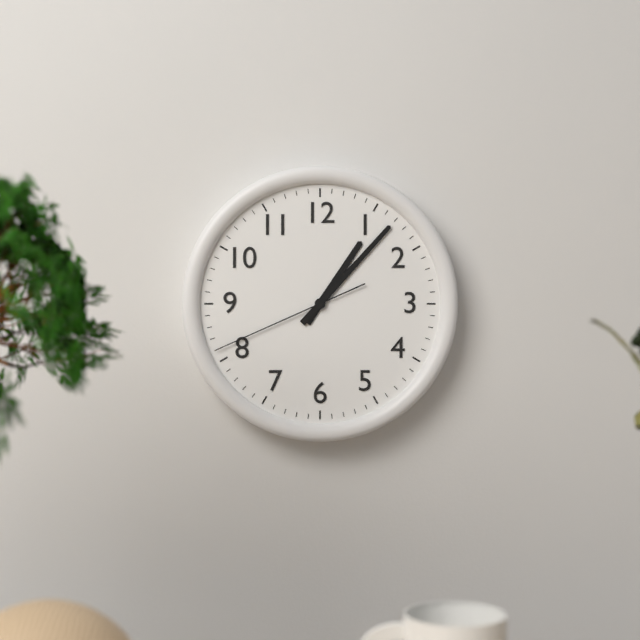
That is 1h07m41s
